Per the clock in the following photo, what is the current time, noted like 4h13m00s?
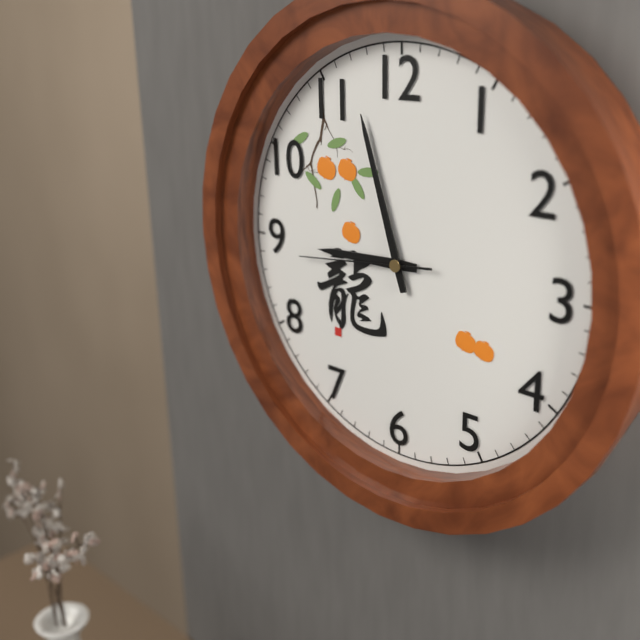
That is 8h57m44s
